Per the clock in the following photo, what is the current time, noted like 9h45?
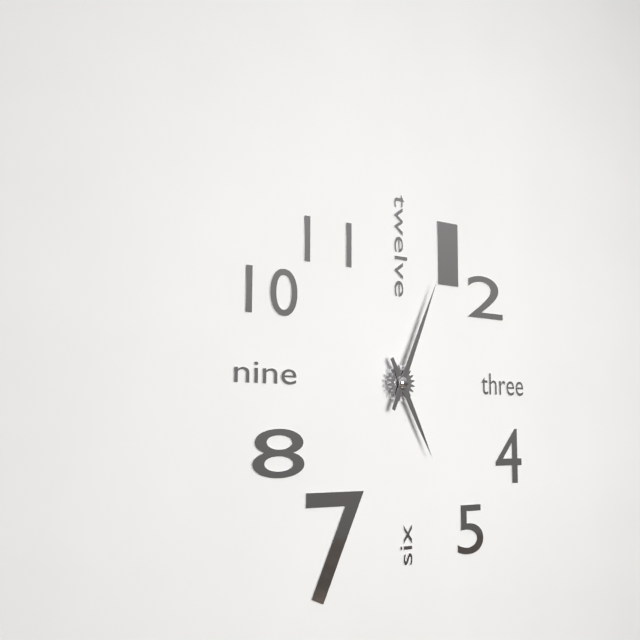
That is 5h04
